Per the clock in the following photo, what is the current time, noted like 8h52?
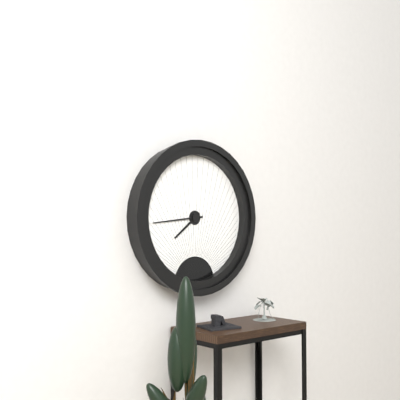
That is 7h44
